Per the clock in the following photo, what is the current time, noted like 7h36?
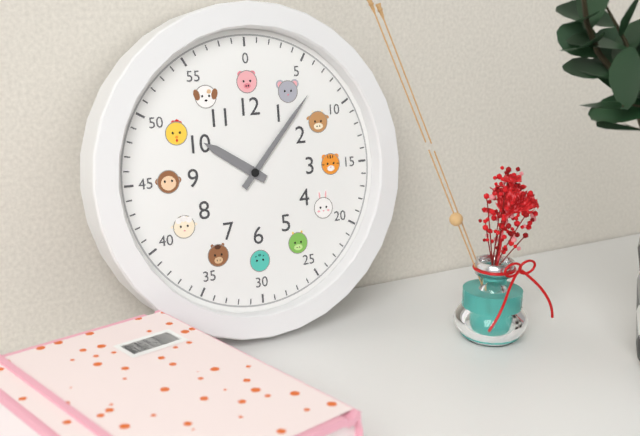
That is 10h07
